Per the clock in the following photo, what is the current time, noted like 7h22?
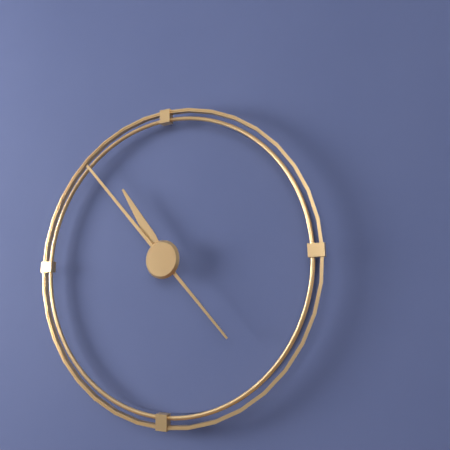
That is 10h53
